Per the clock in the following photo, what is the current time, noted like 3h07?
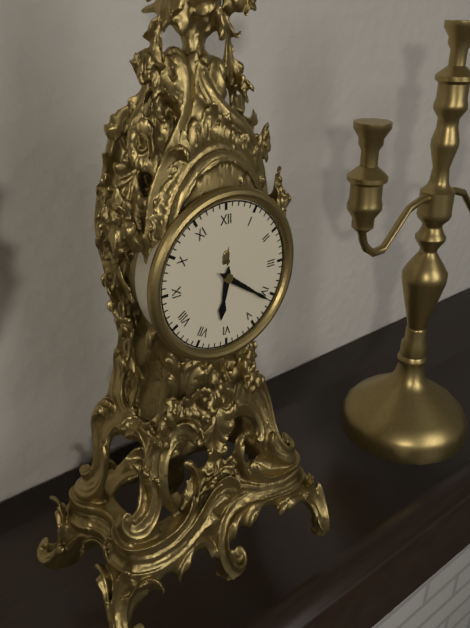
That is 6h21
